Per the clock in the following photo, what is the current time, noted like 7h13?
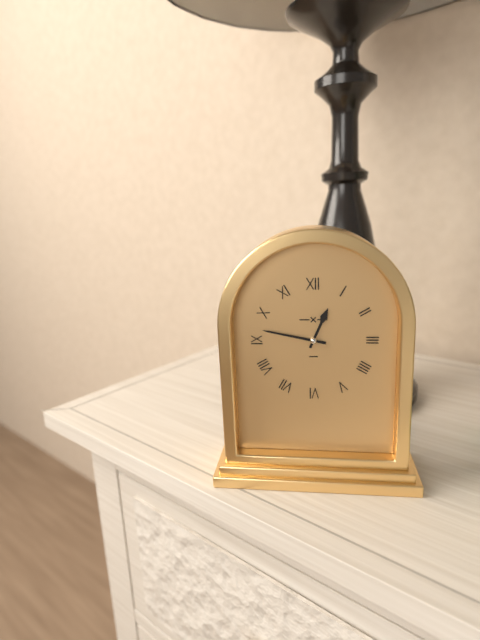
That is 12h47
